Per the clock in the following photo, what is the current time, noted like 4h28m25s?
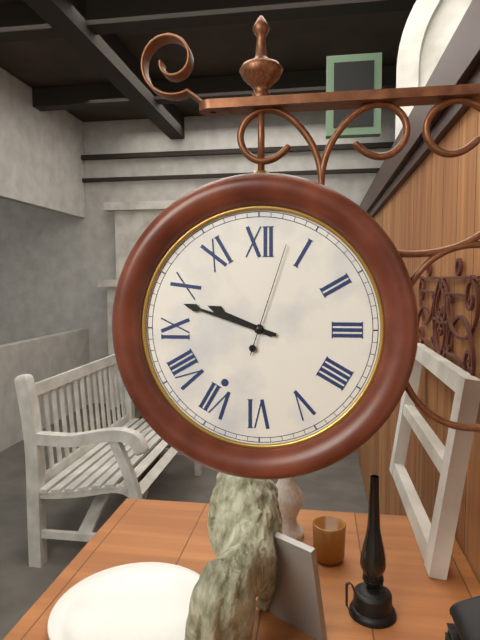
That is 9h48m03s
